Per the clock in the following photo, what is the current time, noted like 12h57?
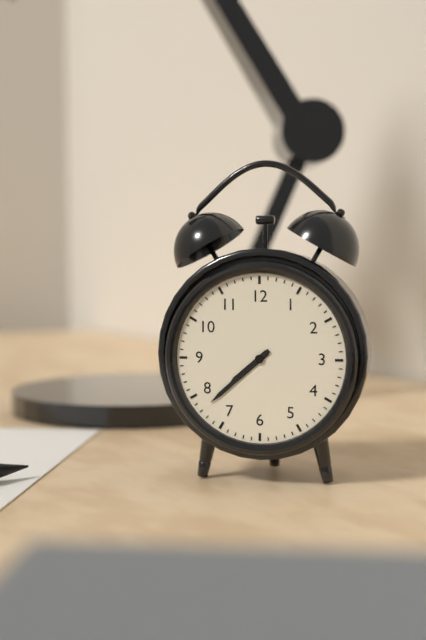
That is 7h38
